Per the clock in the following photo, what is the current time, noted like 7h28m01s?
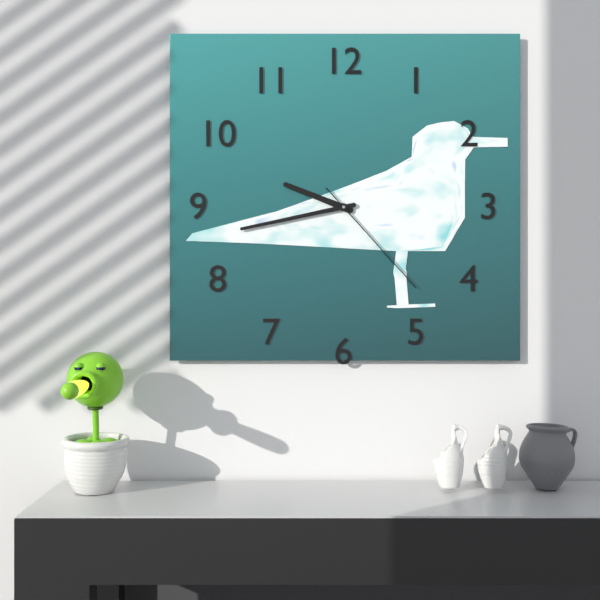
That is 9h43m23s
